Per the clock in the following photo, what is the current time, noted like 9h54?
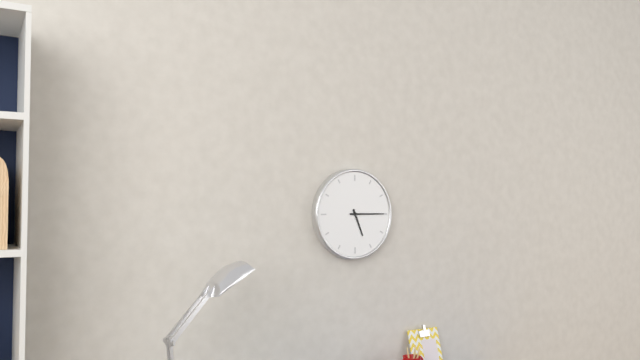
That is 5h15
